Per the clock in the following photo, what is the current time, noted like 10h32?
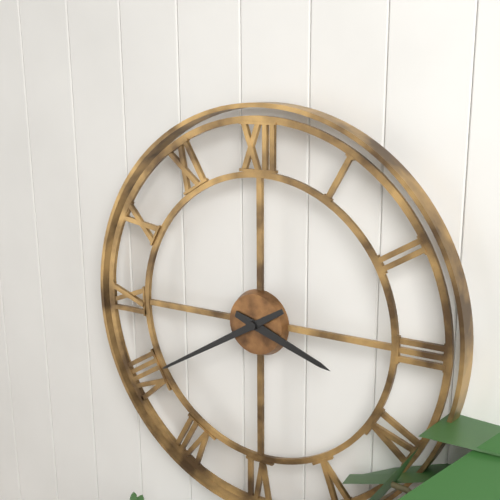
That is 3h40
